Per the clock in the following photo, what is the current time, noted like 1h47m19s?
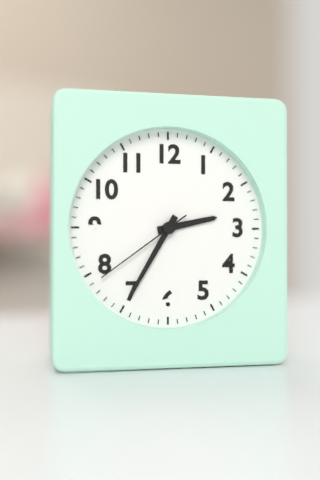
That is 2h35m39s
